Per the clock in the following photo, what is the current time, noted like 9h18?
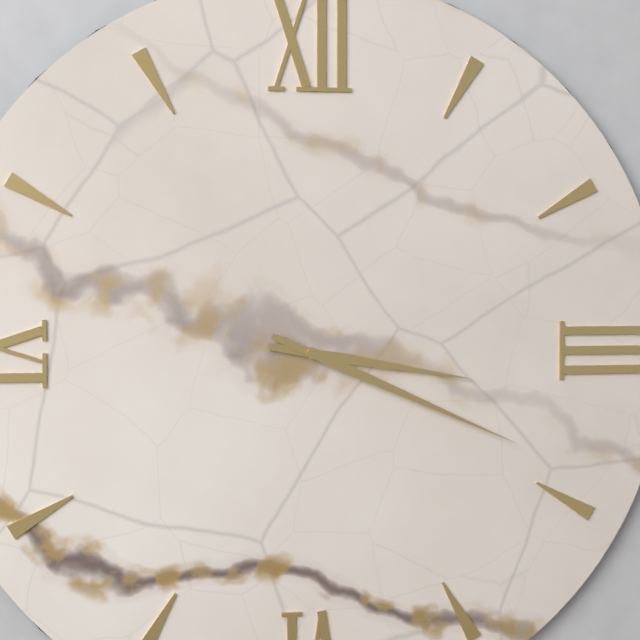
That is 3h19
